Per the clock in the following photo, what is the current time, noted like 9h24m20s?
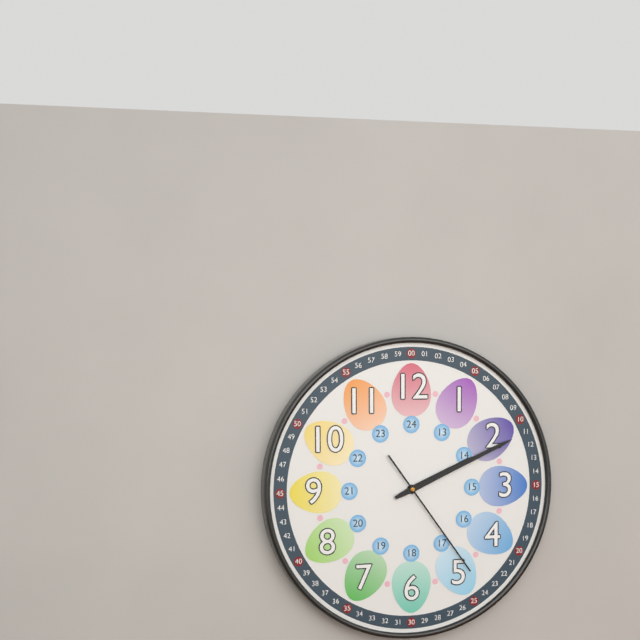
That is 2h11m24s
